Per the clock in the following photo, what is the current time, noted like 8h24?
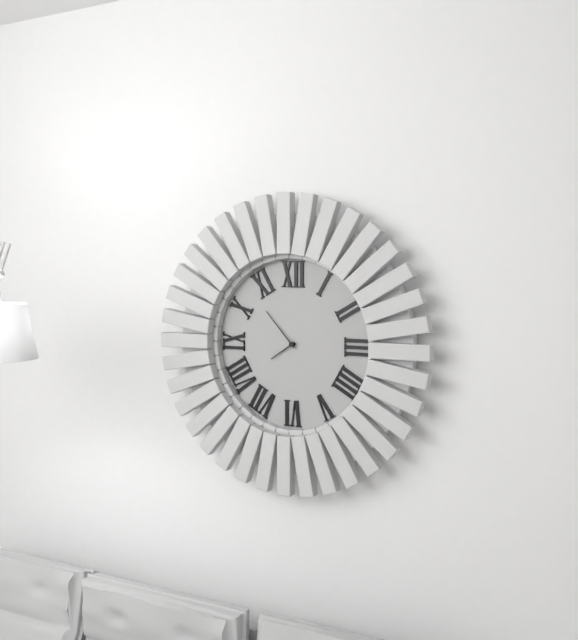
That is 7h53
